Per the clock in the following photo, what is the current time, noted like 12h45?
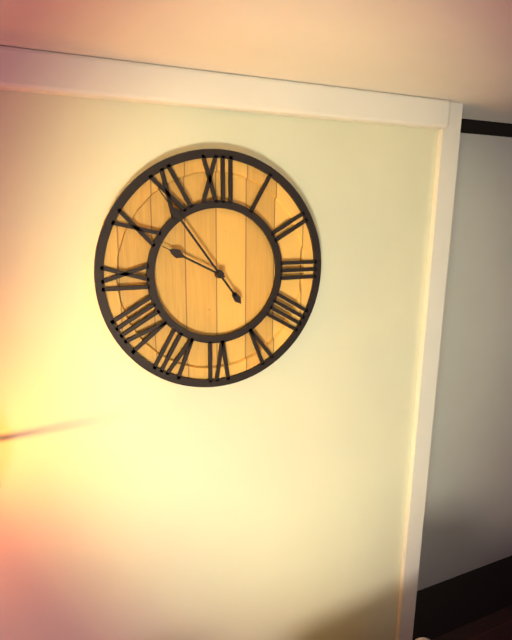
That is 9h54
